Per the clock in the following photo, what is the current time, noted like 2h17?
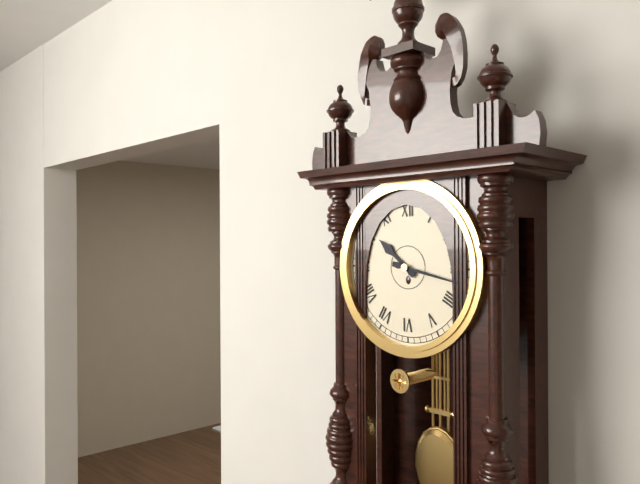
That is 10h17
